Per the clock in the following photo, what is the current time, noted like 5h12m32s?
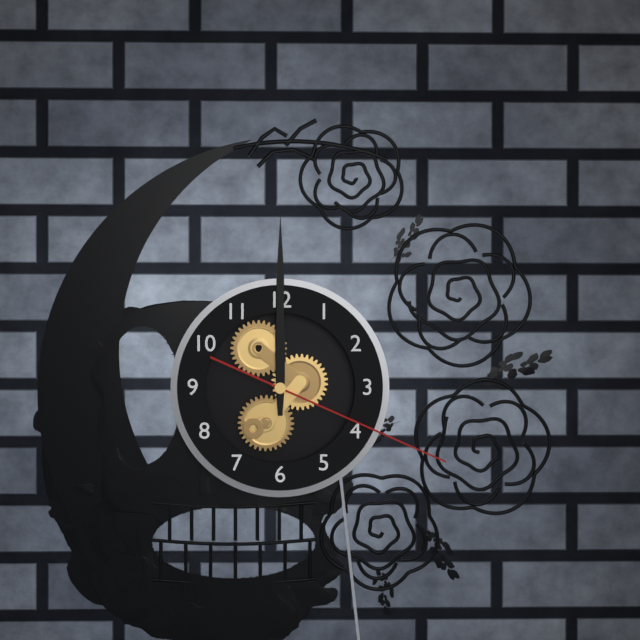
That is 12h00m19s
